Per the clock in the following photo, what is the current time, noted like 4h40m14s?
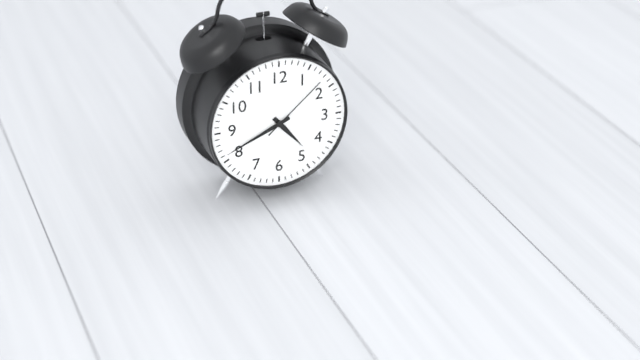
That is 4h41m08s
